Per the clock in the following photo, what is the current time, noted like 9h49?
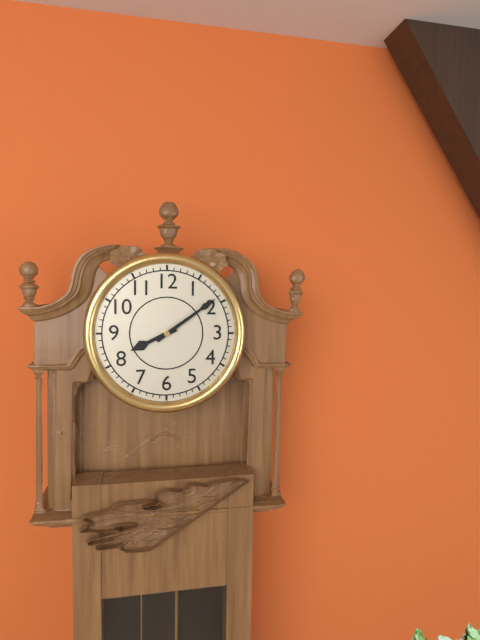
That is 8h09
